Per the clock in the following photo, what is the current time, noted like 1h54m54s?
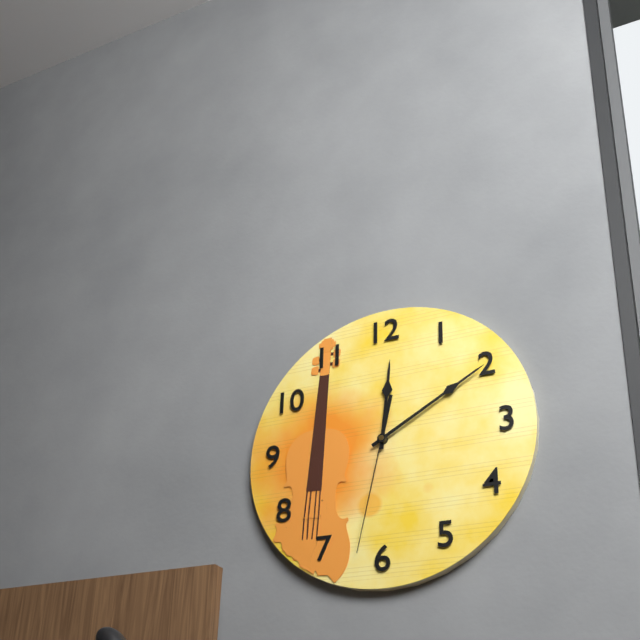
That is 12h10m32s
